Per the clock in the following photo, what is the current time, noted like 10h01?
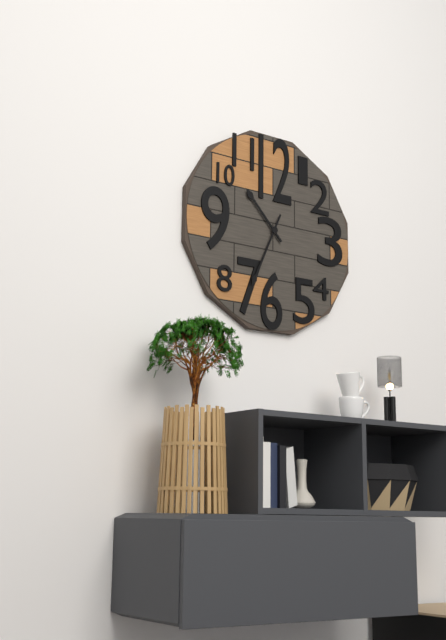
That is 10h34
